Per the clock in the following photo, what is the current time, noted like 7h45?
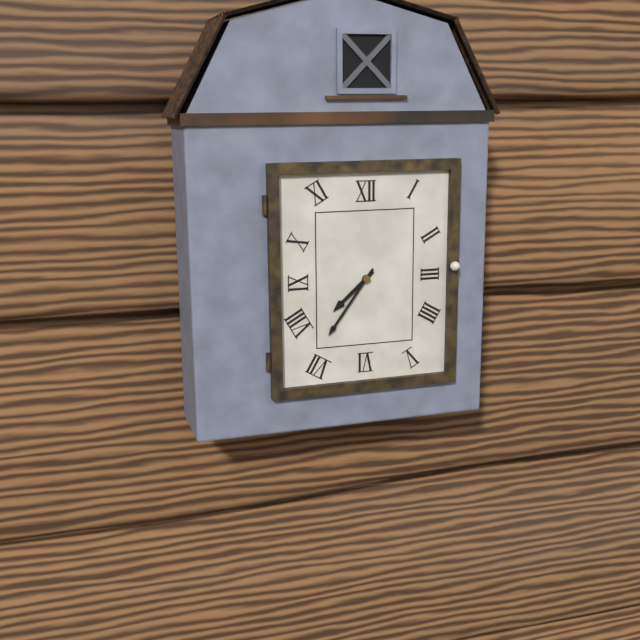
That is 7h36
